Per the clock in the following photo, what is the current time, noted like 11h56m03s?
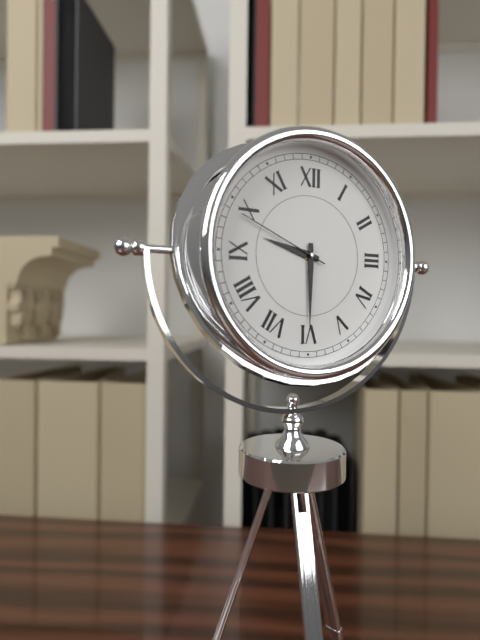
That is 9h30m49s
